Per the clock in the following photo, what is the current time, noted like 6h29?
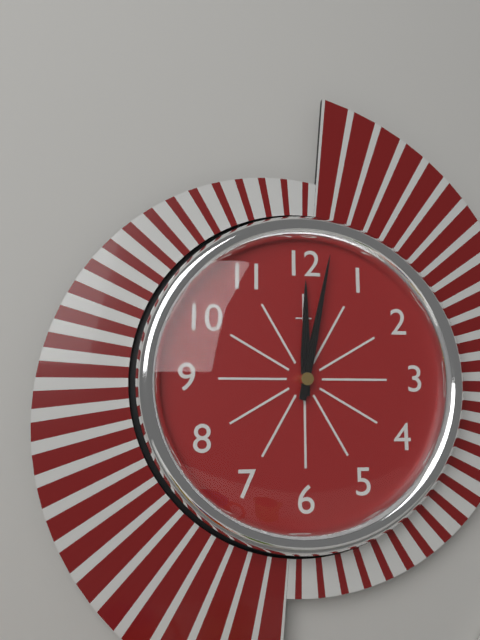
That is 12h02
